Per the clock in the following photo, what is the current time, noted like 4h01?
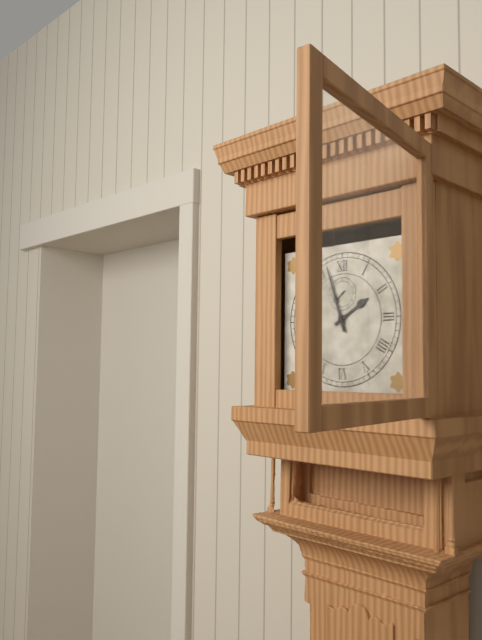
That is 1h57
